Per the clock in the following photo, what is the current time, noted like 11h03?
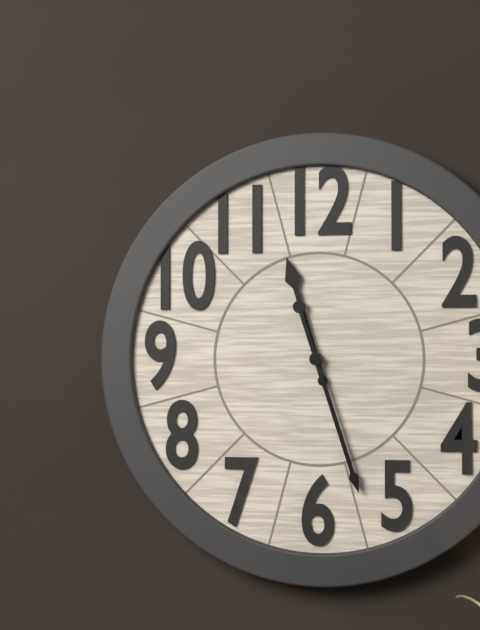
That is 11h27
